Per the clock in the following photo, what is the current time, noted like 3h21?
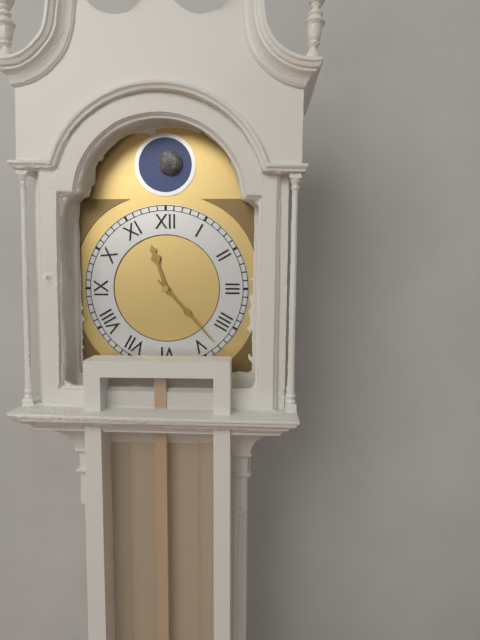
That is 11h23
